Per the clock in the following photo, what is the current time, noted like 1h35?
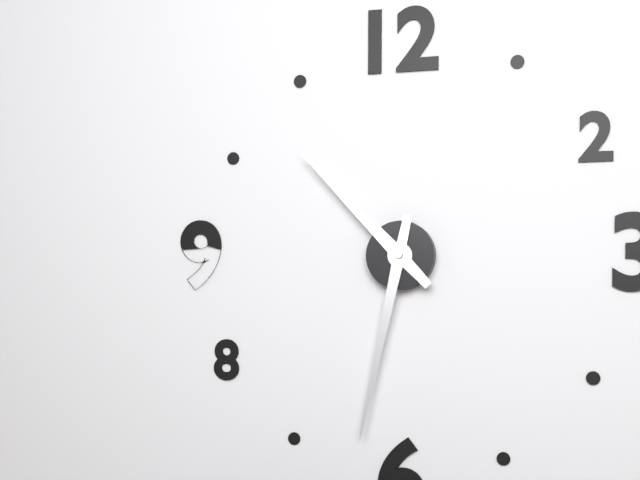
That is 10h32
